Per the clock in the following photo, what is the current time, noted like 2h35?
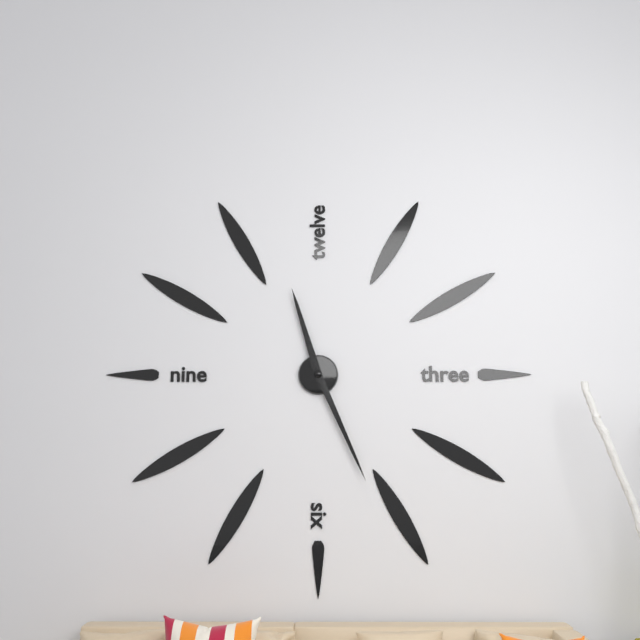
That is 11h26
